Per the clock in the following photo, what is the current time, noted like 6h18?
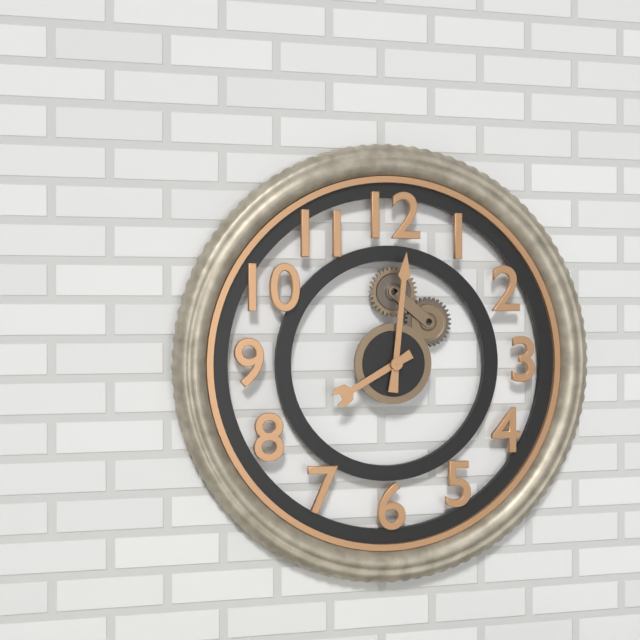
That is 8h01
